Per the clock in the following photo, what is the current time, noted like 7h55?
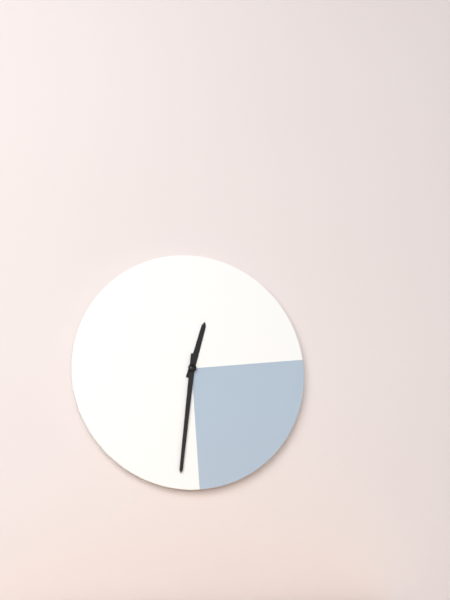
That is 12h31
